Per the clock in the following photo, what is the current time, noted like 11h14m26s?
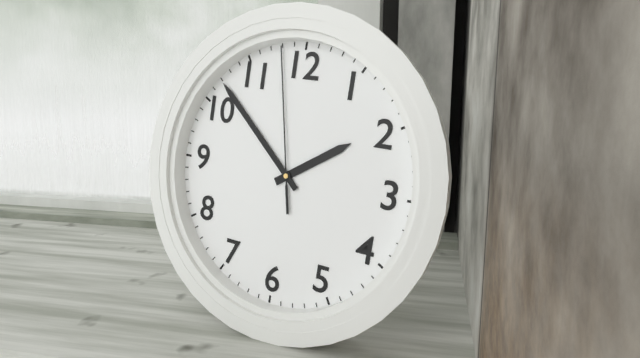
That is 1h52m58s
